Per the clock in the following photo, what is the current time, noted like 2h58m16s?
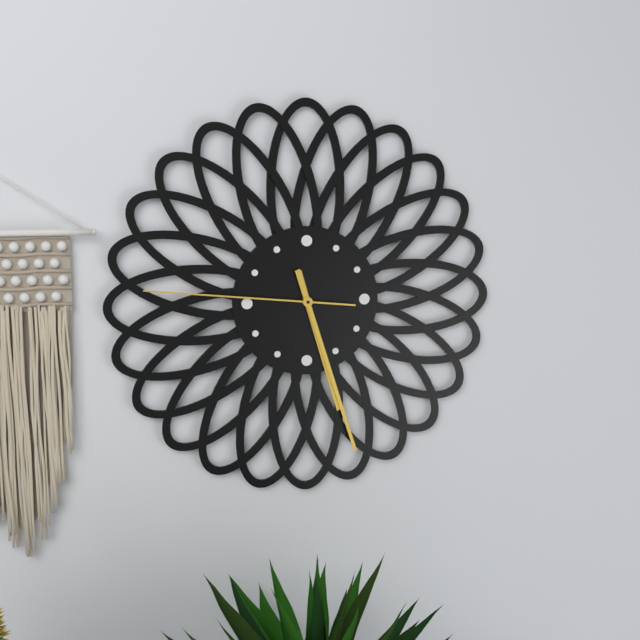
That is 5h27m46s
